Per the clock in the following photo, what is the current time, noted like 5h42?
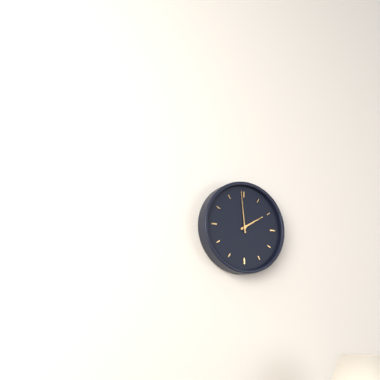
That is 1h59
